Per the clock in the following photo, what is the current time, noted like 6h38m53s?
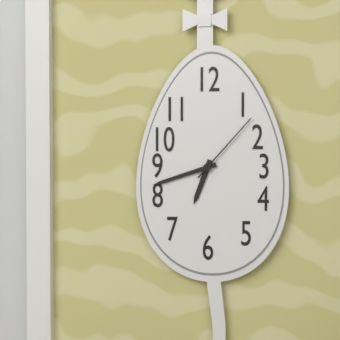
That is 6h42m07s
